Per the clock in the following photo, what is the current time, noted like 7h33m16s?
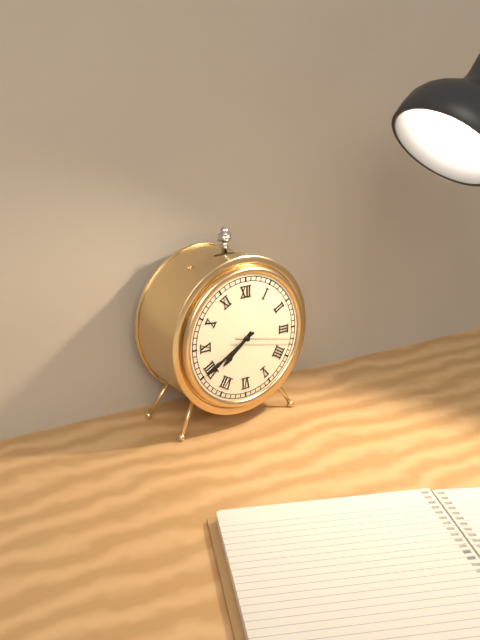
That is 7h40m17s
